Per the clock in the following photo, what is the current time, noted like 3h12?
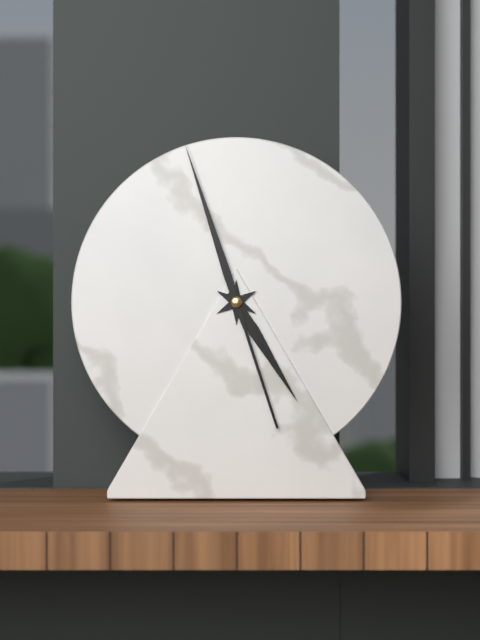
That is 4h57
